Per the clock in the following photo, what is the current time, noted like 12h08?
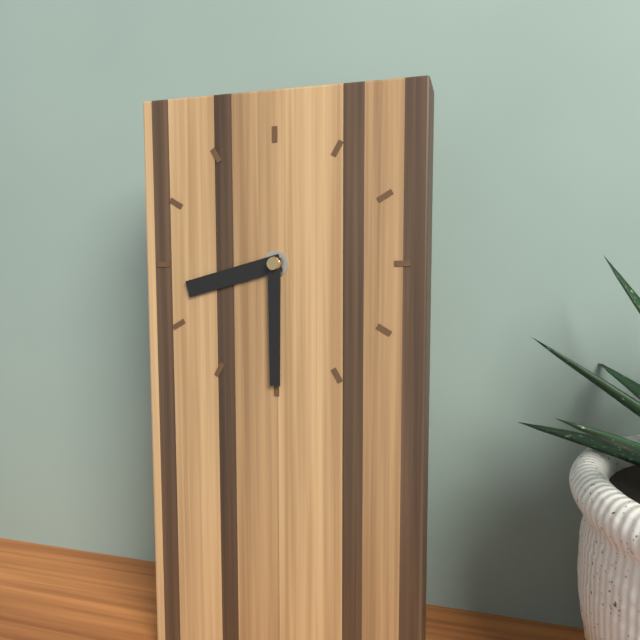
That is 8h30
